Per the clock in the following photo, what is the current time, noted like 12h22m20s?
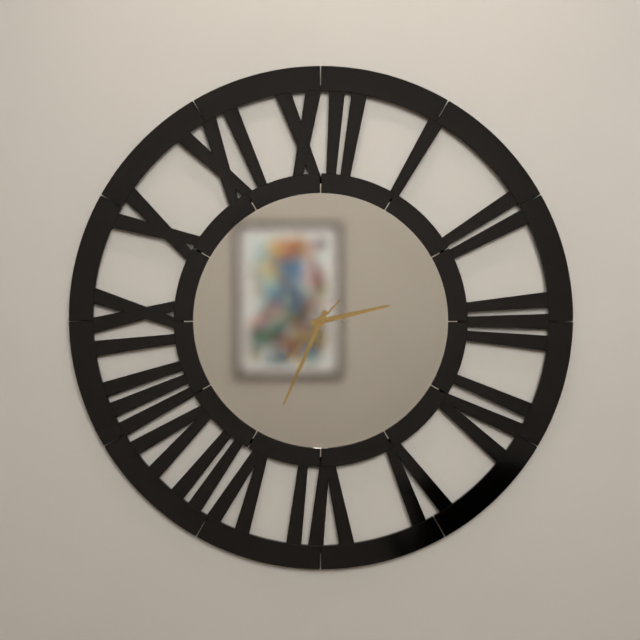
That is 2h34m37s
